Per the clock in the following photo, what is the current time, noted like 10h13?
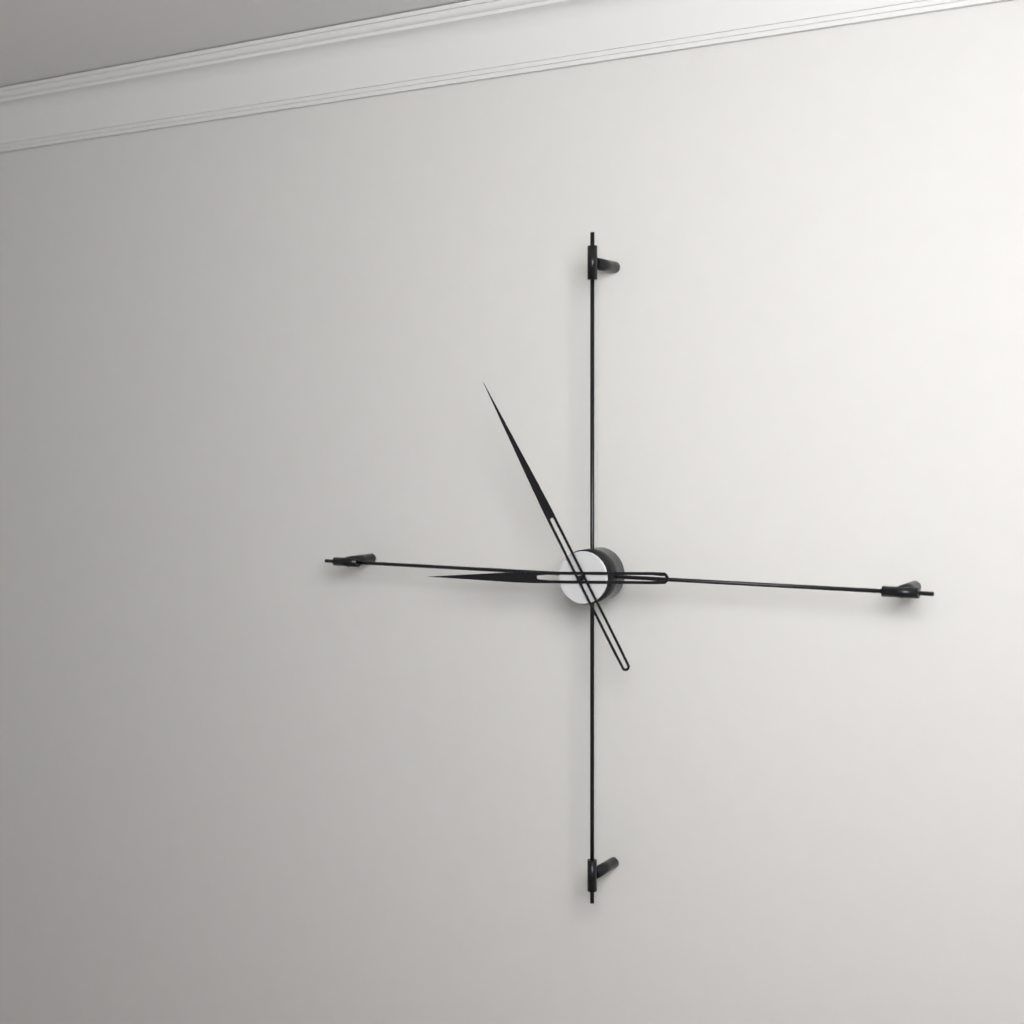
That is 8h55
